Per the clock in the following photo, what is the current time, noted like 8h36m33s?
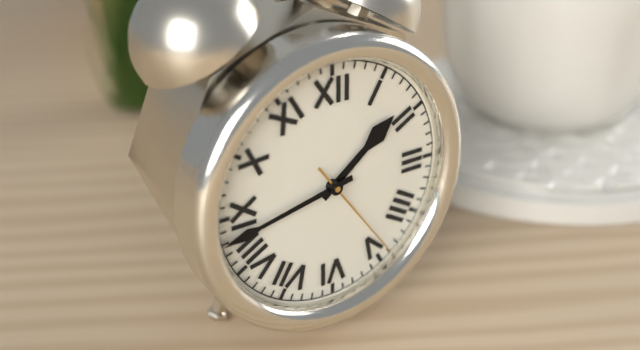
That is 1h43m24s
